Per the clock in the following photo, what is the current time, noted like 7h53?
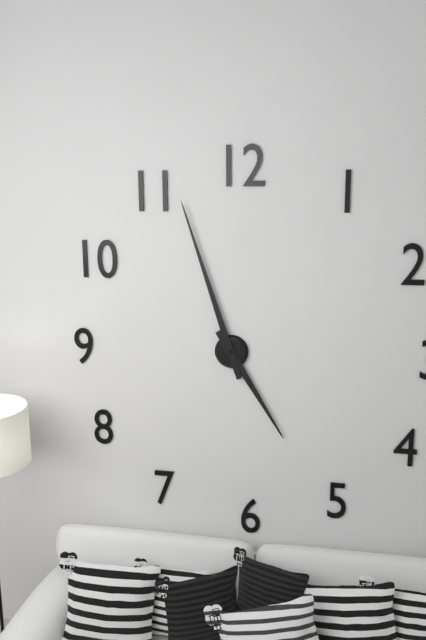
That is 4h57
